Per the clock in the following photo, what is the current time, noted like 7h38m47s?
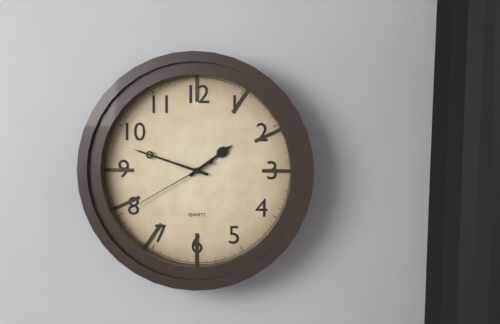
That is 1h48m40s
